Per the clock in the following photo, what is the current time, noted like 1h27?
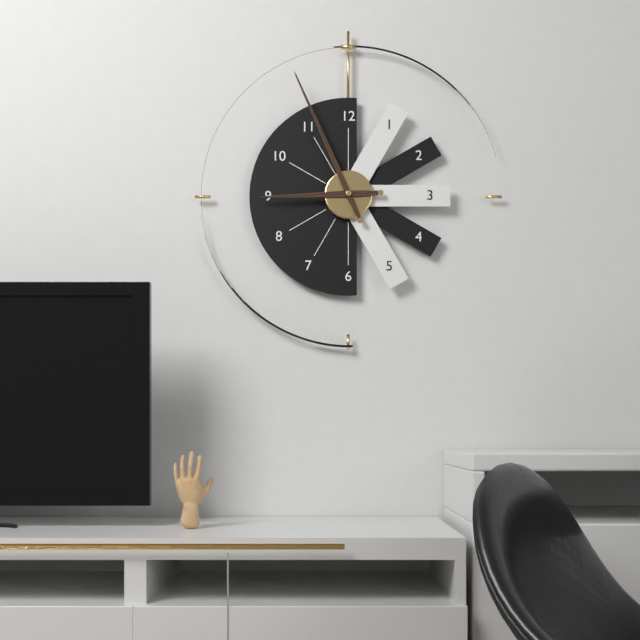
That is 8h56
